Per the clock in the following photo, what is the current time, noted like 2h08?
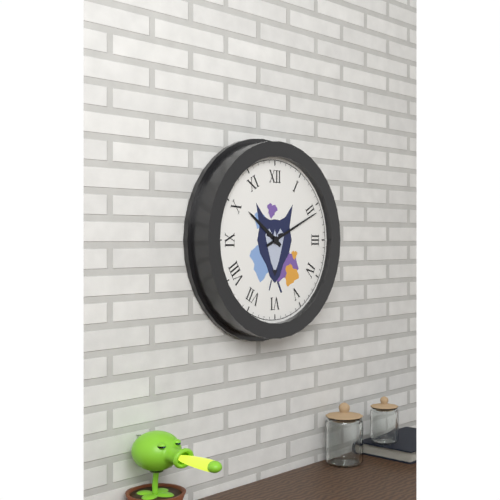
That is 10h11
